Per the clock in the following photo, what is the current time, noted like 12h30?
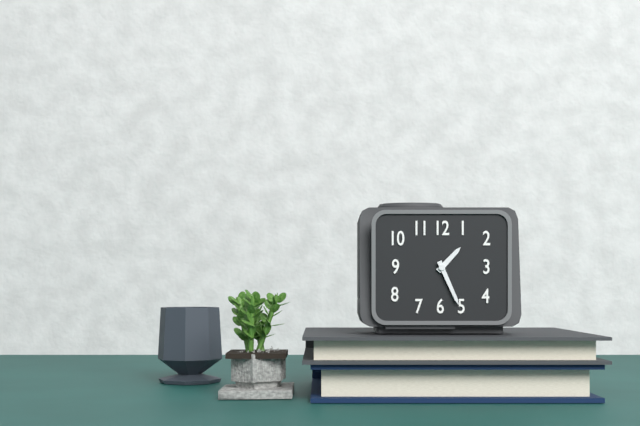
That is 1h26
